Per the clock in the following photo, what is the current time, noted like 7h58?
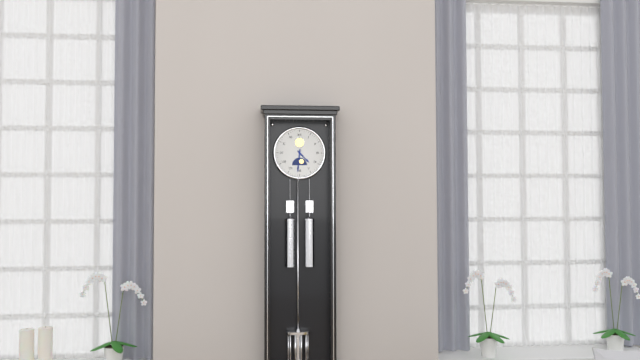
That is 4h31
